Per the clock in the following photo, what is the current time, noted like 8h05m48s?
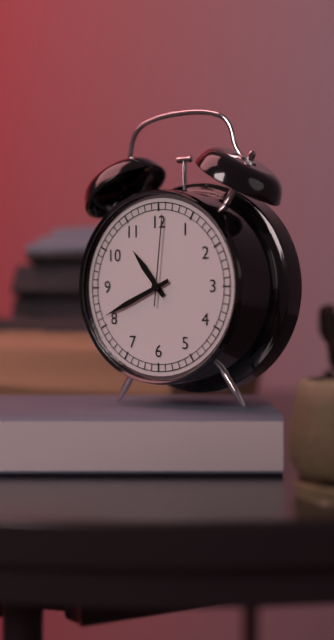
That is 10h41m01s
